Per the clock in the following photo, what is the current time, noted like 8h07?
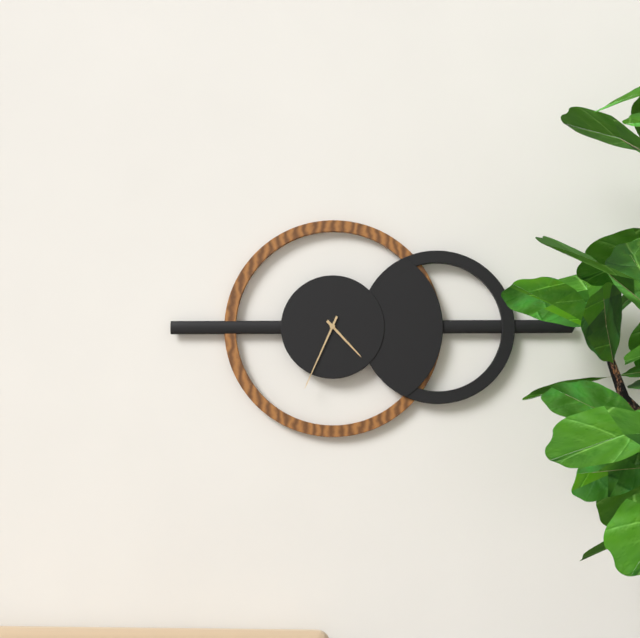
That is 4h34
